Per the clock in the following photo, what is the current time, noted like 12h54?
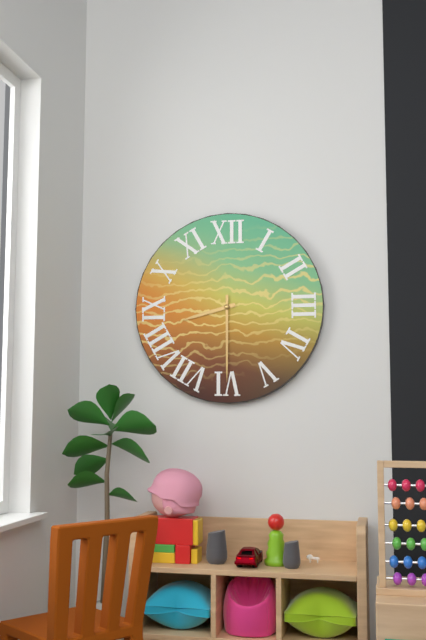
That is 8h30
